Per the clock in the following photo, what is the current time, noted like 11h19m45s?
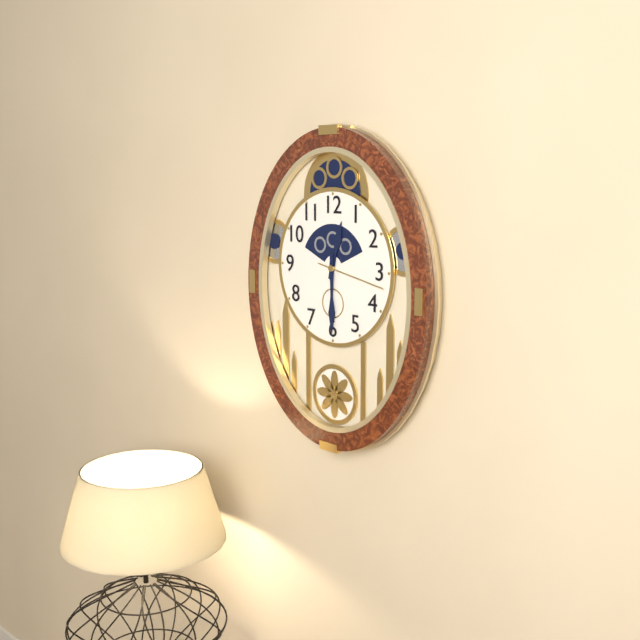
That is 12h30m17s
